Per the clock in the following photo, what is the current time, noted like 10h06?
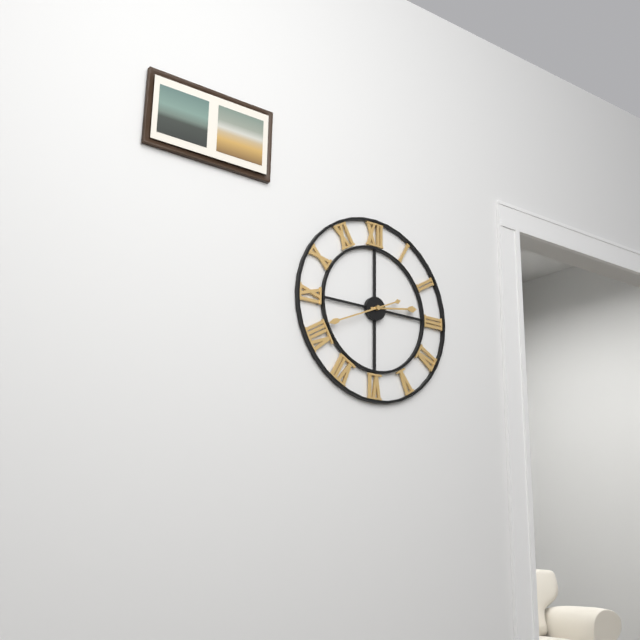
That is 2h41
